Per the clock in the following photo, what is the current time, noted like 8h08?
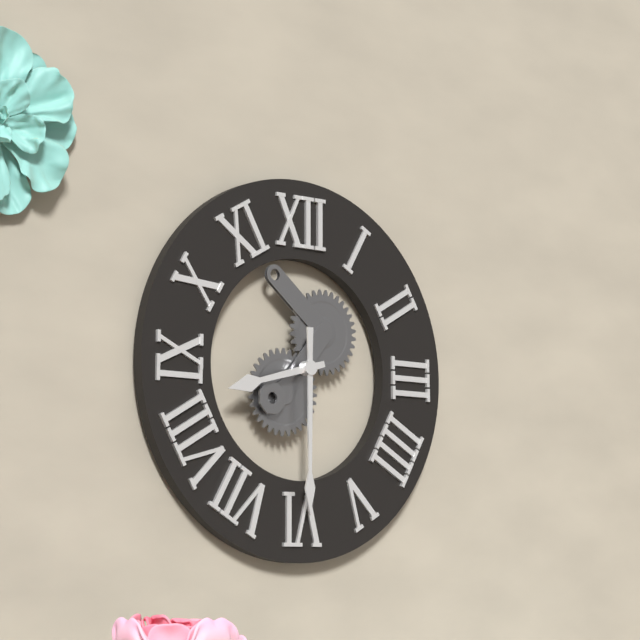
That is 8h30
